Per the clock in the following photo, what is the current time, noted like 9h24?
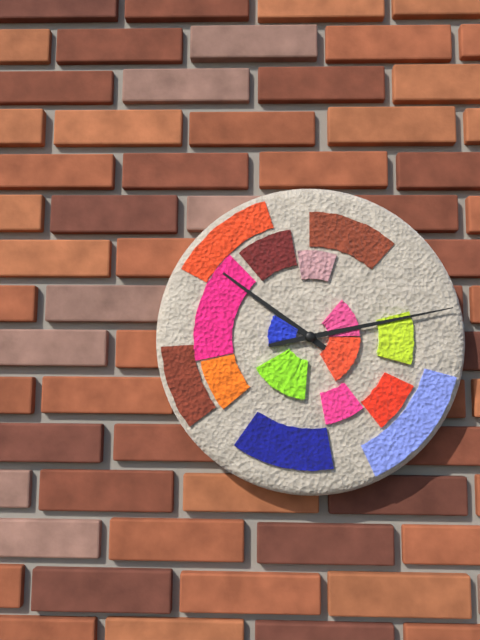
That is 10h13
